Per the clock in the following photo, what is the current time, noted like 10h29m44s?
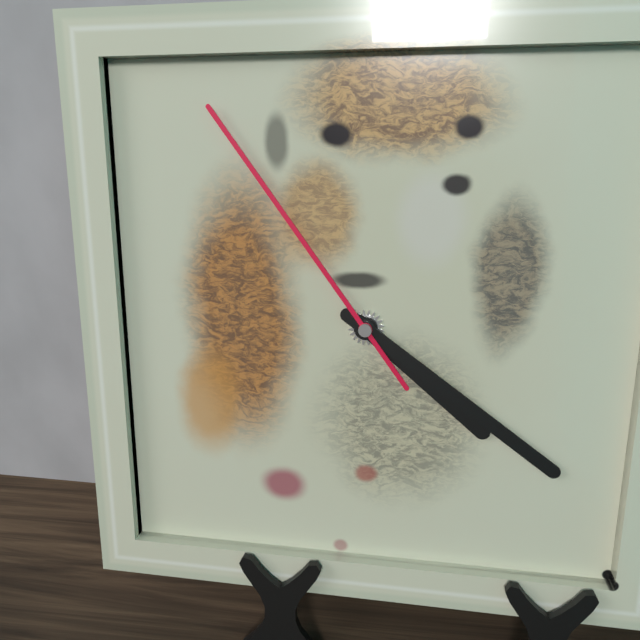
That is 4h21m54s
